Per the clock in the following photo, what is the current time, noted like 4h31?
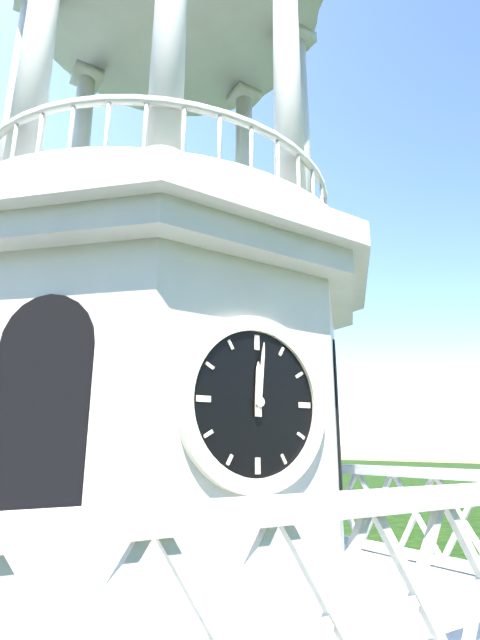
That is 12h01
